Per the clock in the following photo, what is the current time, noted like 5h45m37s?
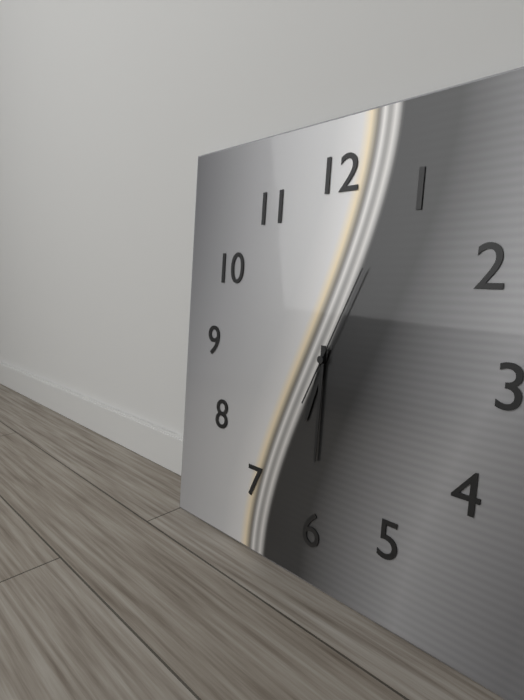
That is 6h30m04s
